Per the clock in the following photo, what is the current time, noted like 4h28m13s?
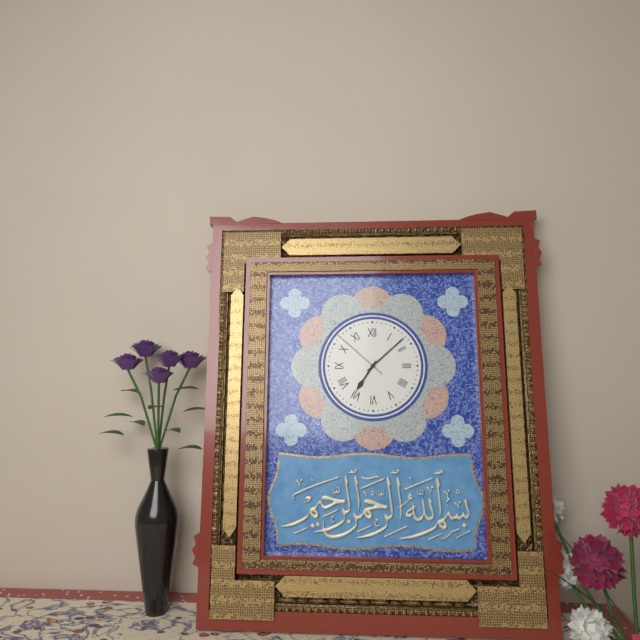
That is 7h08m52s
